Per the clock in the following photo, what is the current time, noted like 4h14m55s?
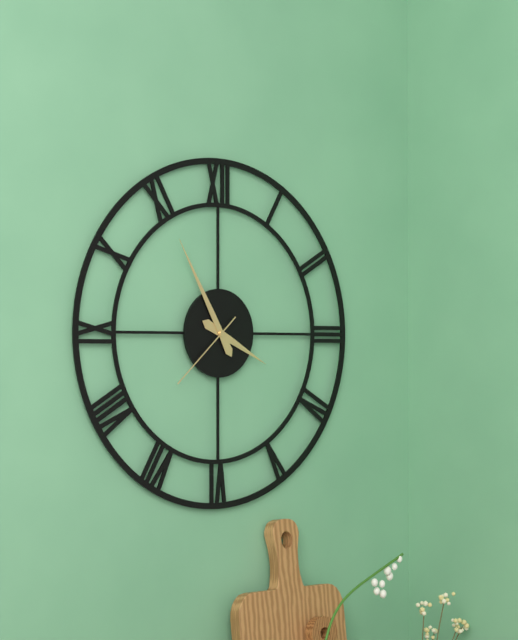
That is 3h55m38s
